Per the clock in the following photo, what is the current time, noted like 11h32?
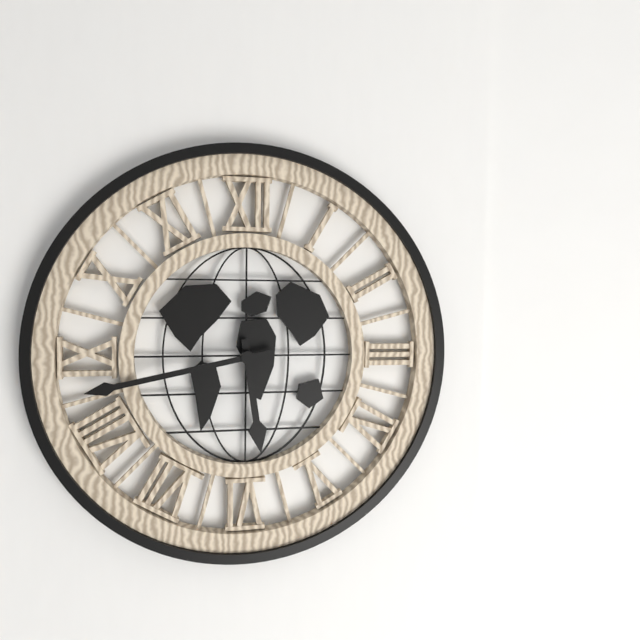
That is 5h43
